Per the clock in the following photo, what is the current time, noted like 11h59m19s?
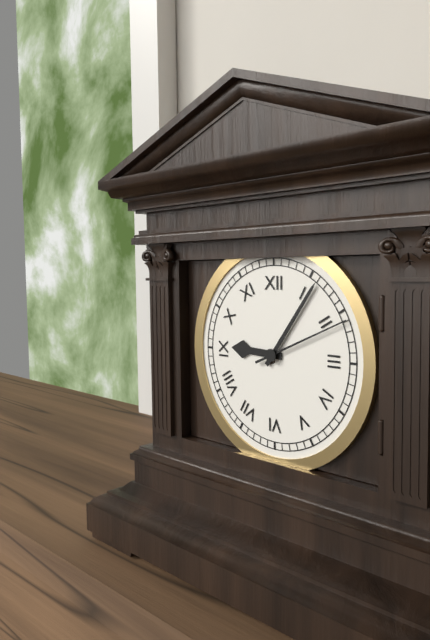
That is 9h06m11s
